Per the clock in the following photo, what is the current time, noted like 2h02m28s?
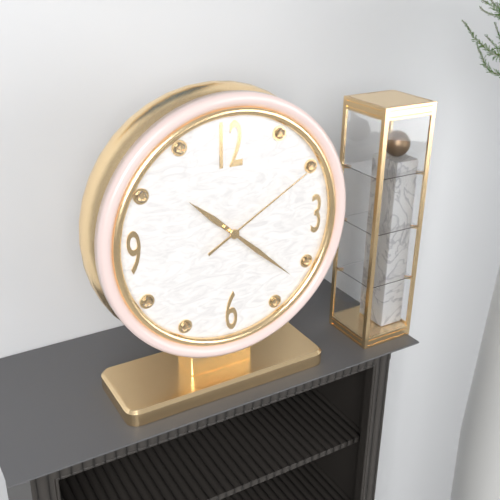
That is 10h22m10s
